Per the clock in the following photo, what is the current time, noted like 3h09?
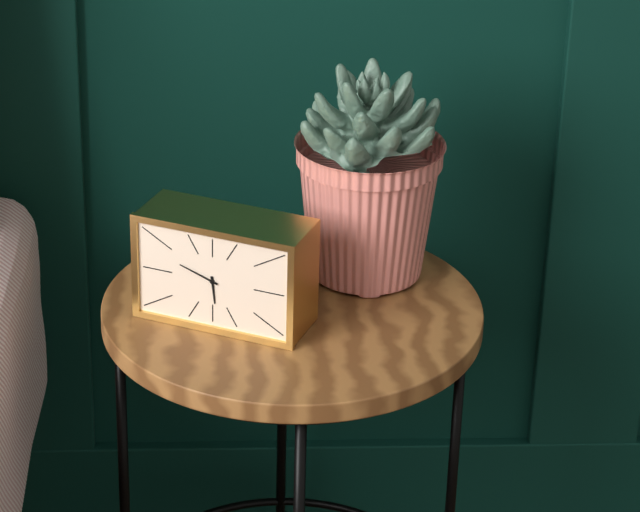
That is 5h48
